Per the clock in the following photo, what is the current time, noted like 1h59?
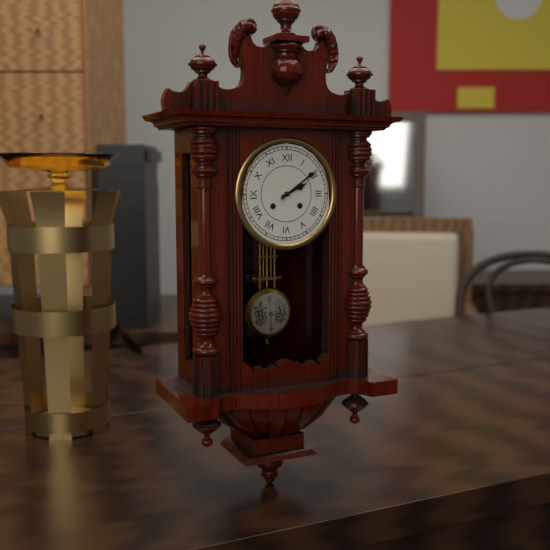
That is 2h09
